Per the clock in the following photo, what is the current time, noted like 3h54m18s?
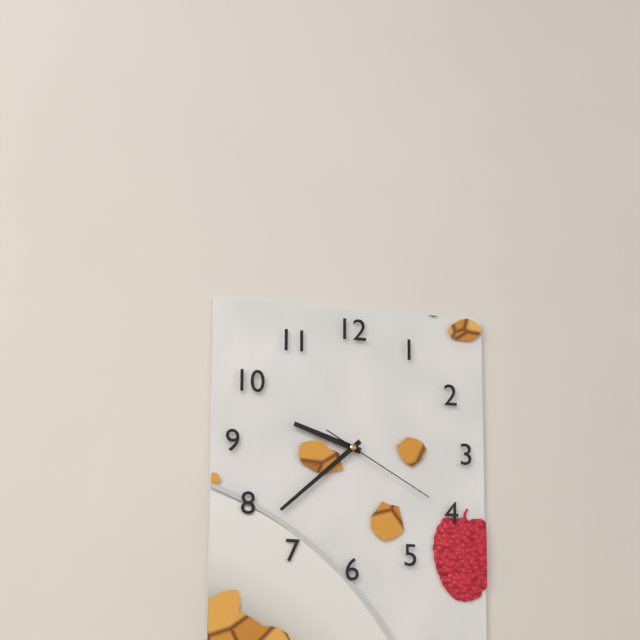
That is 9h38m20s
